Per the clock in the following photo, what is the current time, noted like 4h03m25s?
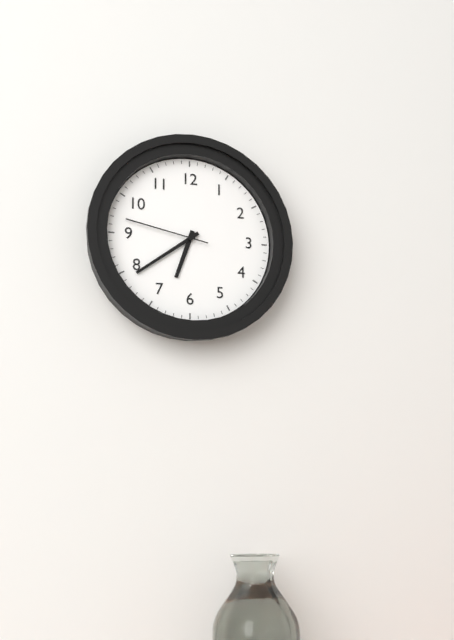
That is 6h39m47s
